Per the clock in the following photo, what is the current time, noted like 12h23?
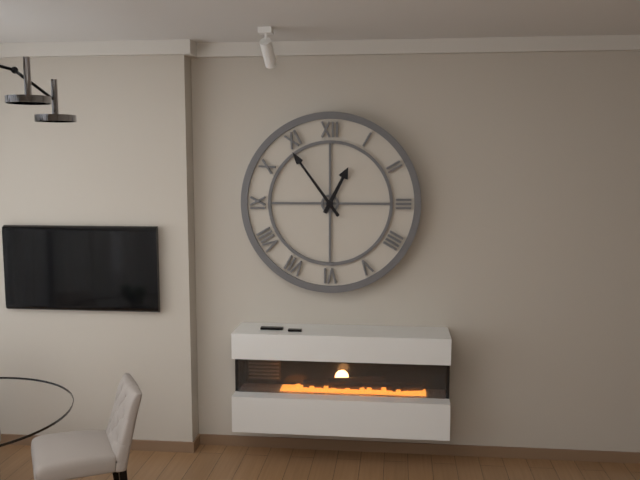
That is 12h54
